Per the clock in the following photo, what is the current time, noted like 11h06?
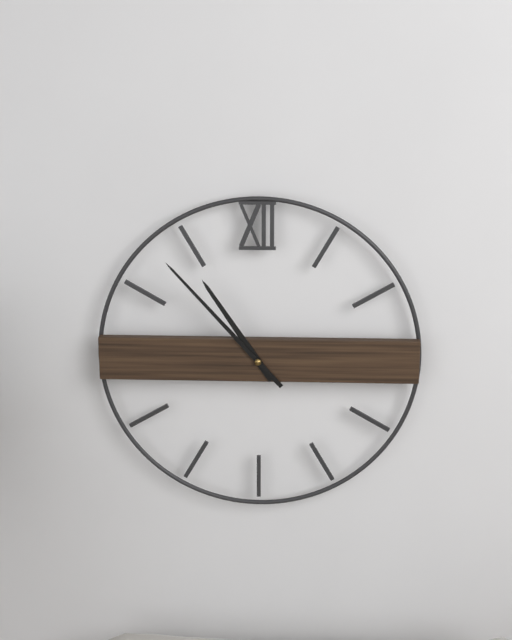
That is 10h53
